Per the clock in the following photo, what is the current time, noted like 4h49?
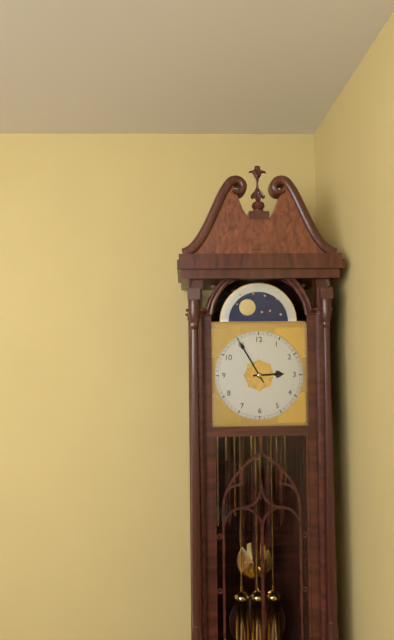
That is 2h55
